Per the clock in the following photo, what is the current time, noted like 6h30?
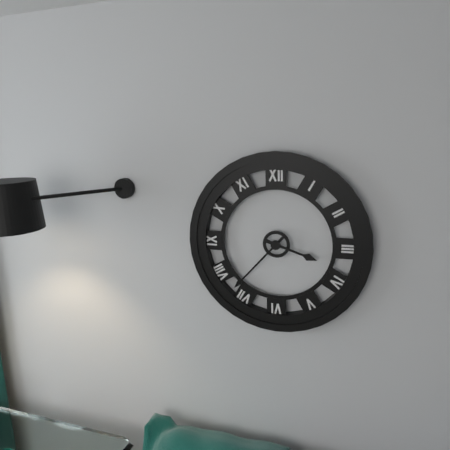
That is 3h37
